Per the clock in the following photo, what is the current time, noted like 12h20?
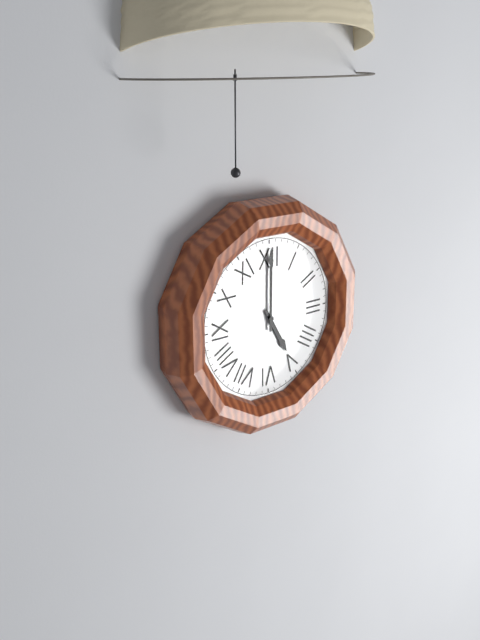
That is 5h00
